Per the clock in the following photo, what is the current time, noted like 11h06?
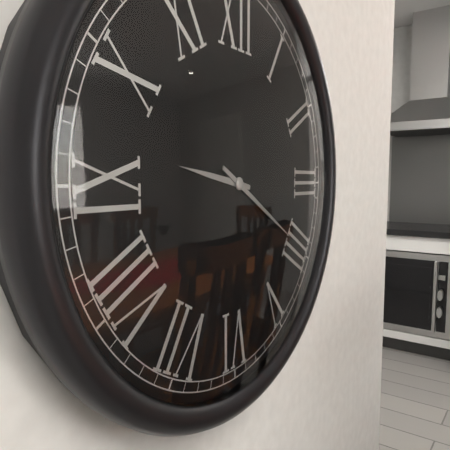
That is 9h20
